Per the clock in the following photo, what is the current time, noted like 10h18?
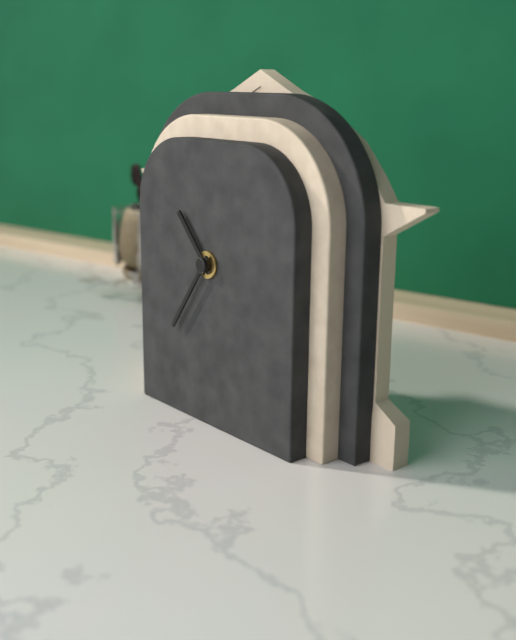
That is 10h36
